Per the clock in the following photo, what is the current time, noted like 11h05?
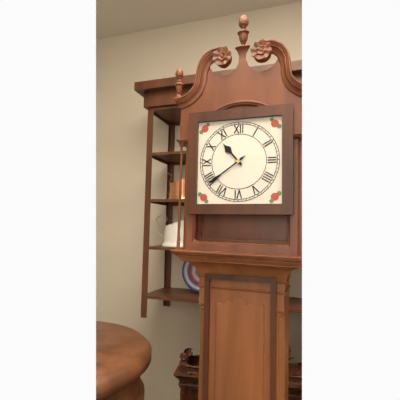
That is 10h39
